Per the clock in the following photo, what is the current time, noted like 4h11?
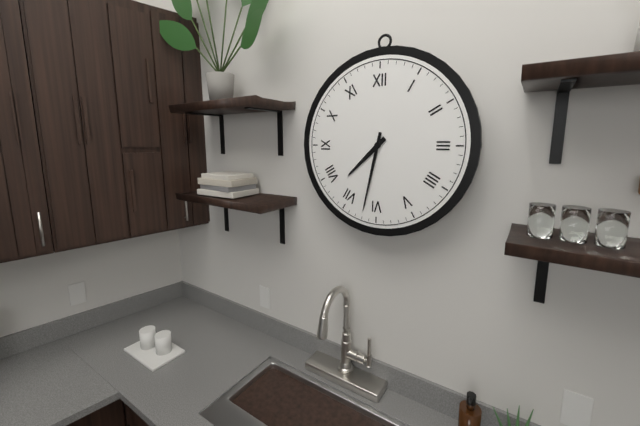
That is 7h32
